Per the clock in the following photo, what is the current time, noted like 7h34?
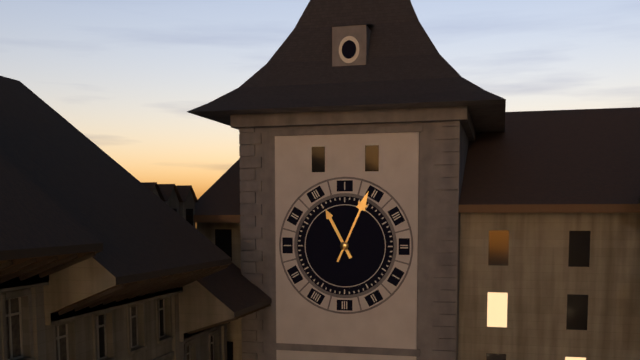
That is 11h04
